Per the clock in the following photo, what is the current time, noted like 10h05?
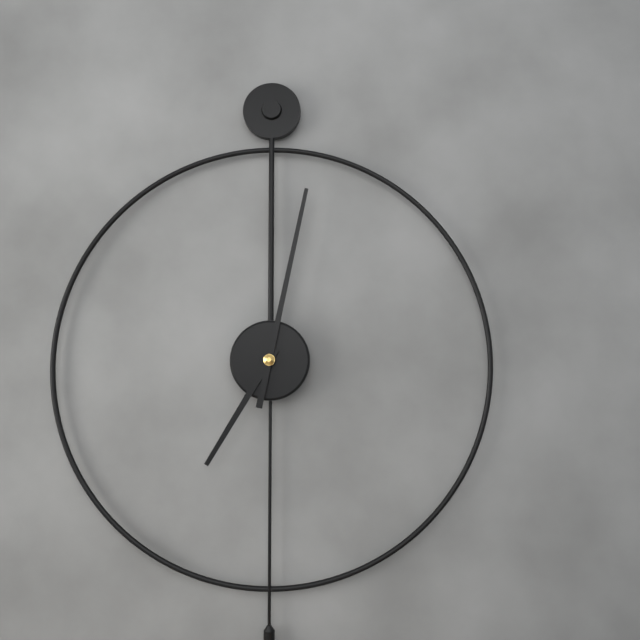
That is 7h02
